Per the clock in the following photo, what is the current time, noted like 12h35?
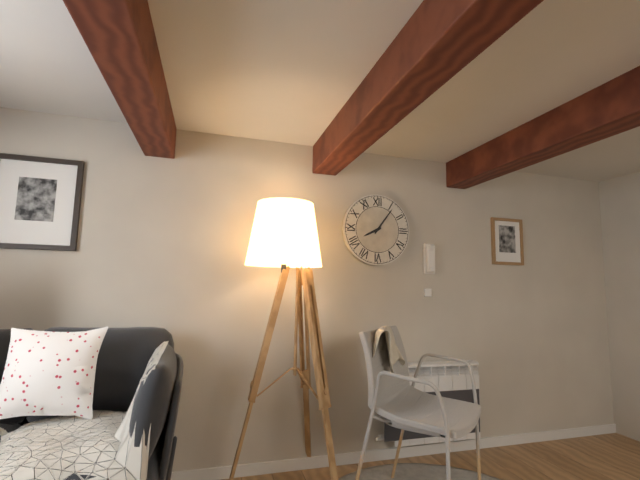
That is 8h06
